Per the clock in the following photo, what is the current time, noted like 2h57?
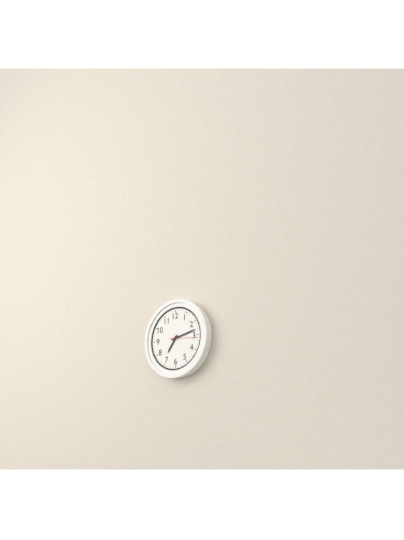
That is 7h13
